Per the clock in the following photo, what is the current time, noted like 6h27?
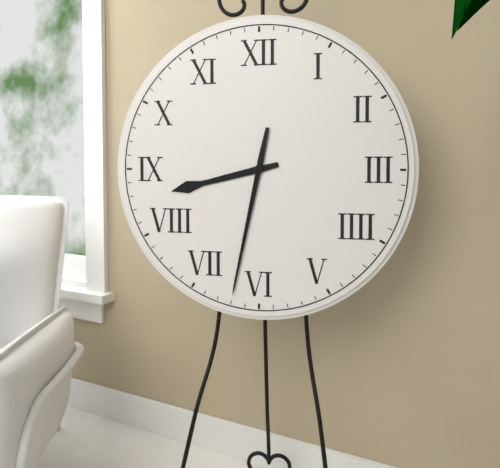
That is 8h32
